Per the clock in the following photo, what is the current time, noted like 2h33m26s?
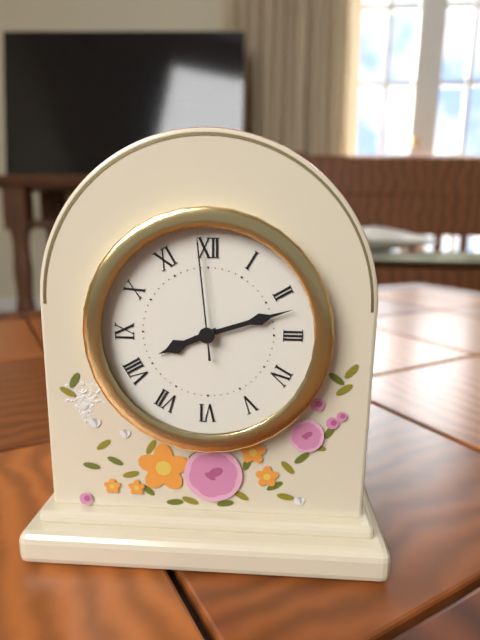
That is 8h12m59s
